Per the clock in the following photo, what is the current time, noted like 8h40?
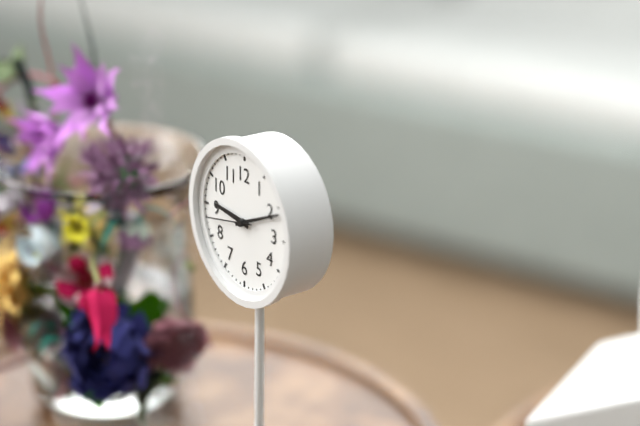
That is 9h11
